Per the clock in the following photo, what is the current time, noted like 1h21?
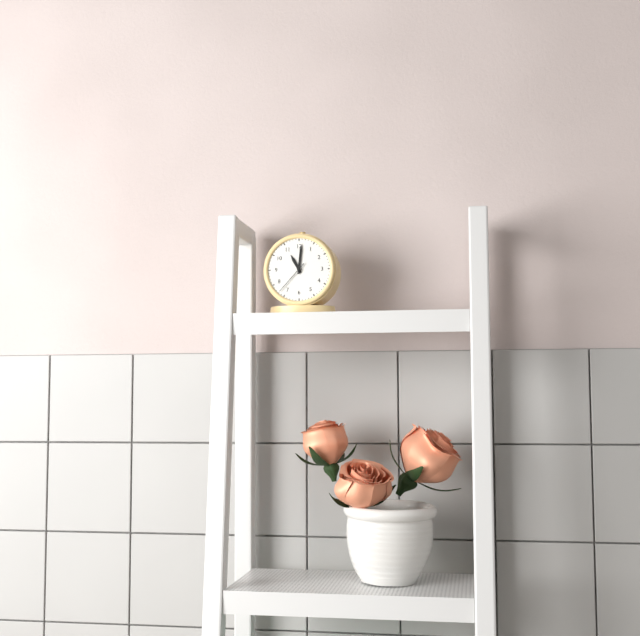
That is 11h01
